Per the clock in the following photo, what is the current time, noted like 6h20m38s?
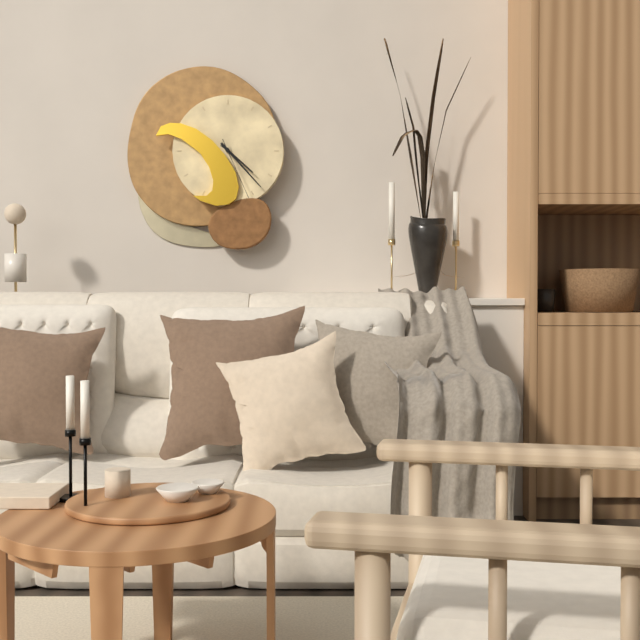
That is 4h23m26s
